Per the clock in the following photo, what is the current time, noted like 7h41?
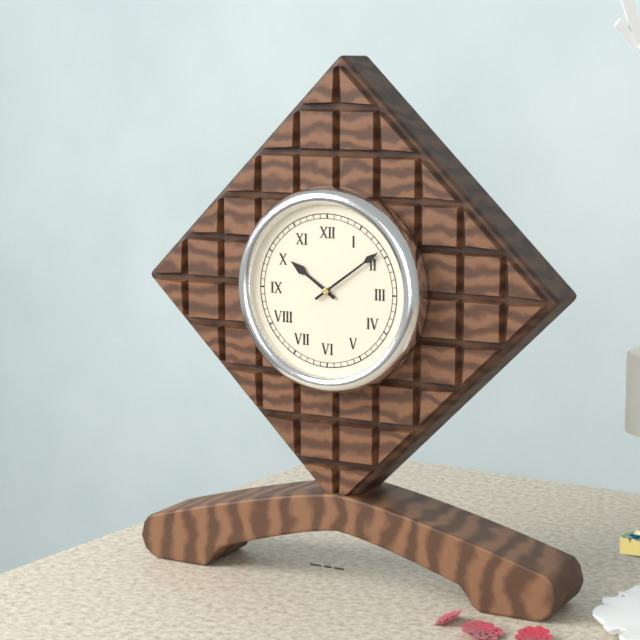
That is 10h09
